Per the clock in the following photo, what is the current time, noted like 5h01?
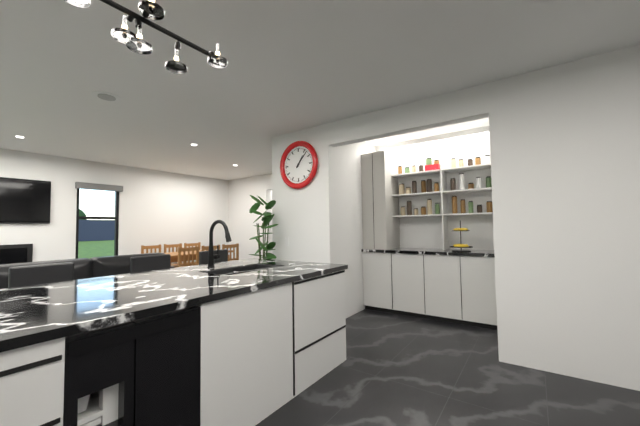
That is 1h07
